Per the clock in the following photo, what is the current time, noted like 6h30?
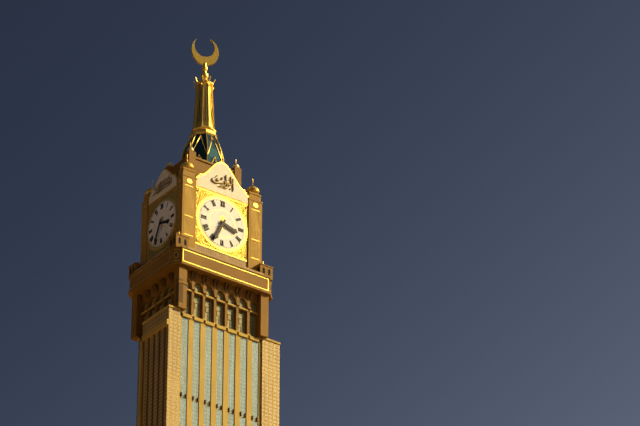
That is 3h34
